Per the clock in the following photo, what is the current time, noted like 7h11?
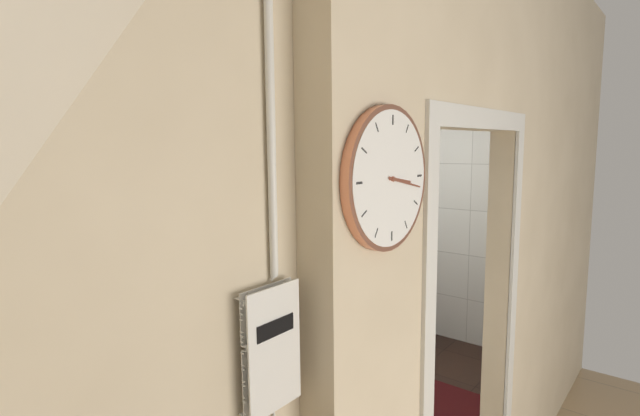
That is 3h17
